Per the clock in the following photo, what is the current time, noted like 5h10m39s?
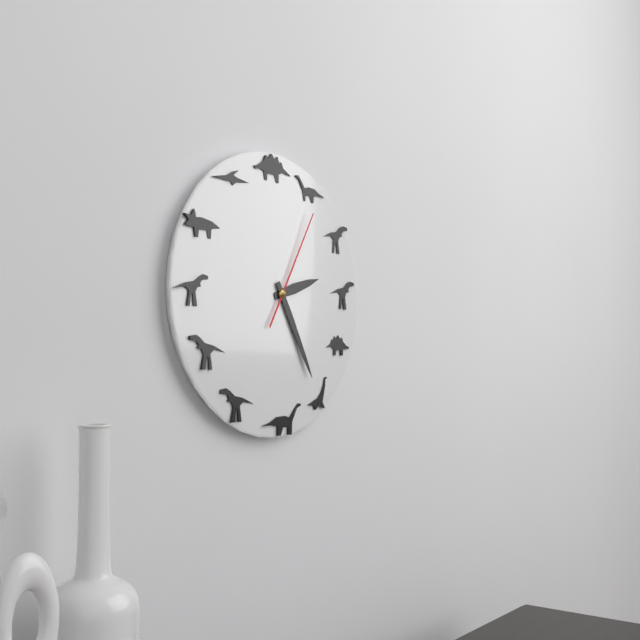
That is 2h25m05s
